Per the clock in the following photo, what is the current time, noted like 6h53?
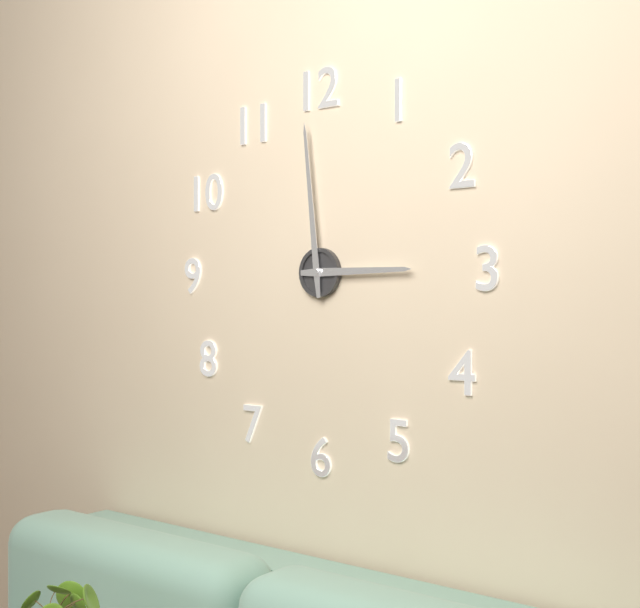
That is 2h59
